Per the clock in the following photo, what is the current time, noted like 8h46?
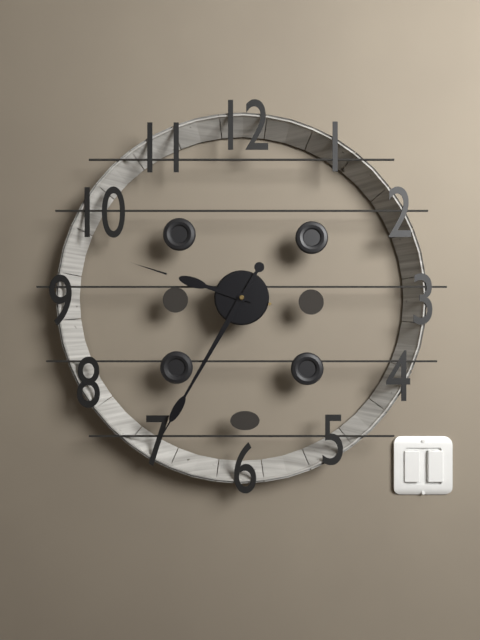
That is 9h35
